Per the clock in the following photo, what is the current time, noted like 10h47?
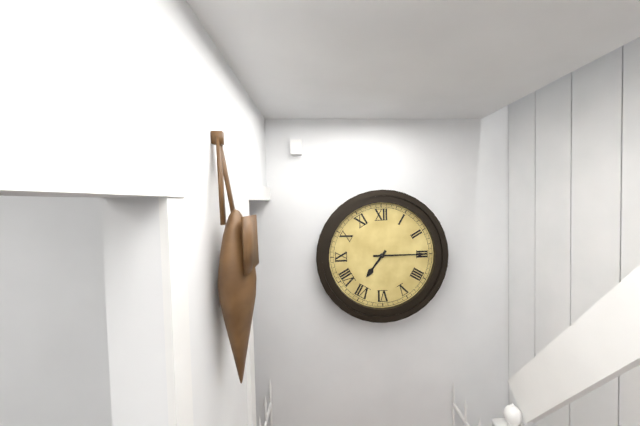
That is 7h15
